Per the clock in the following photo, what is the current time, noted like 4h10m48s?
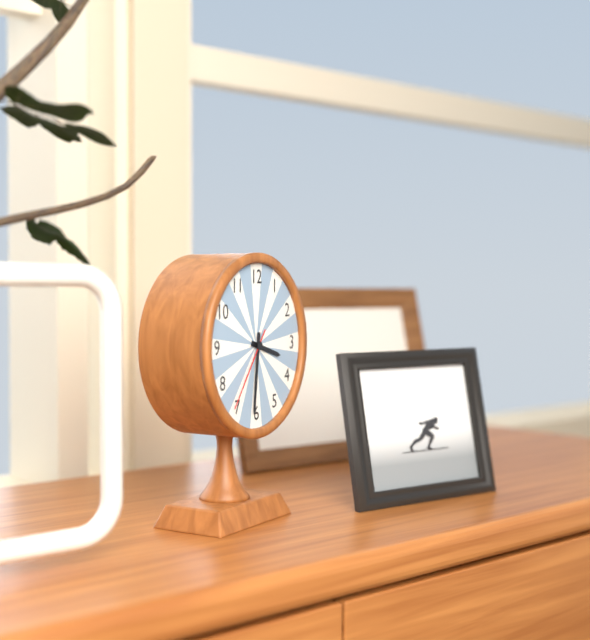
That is 3h31m36s
